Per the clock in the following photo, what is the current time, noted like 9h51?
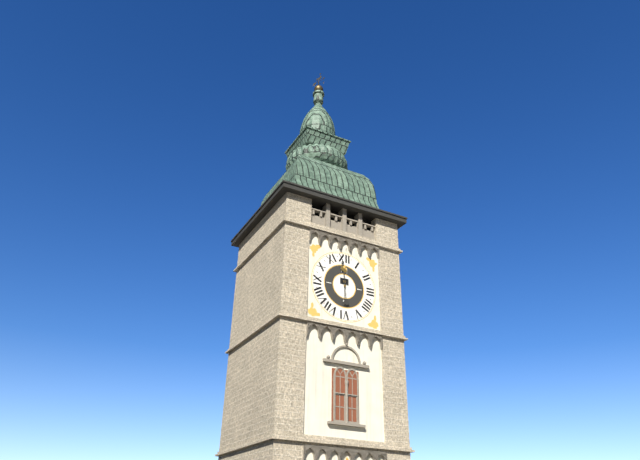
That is 11h59
